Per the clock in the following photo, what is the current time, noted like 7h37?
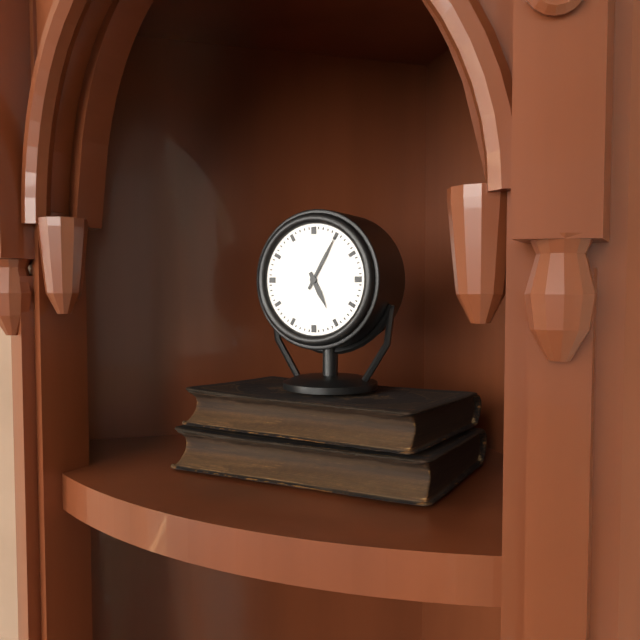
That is 5h05
